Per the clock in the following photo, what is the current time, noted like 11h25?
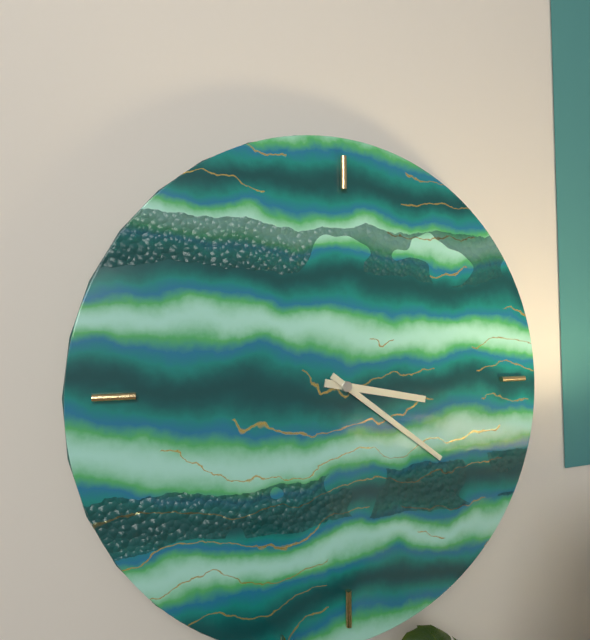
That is 3h21
